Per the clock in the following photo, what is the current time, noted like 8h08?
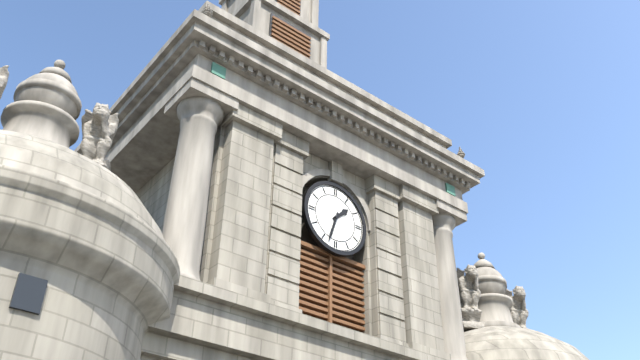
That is 1h33
